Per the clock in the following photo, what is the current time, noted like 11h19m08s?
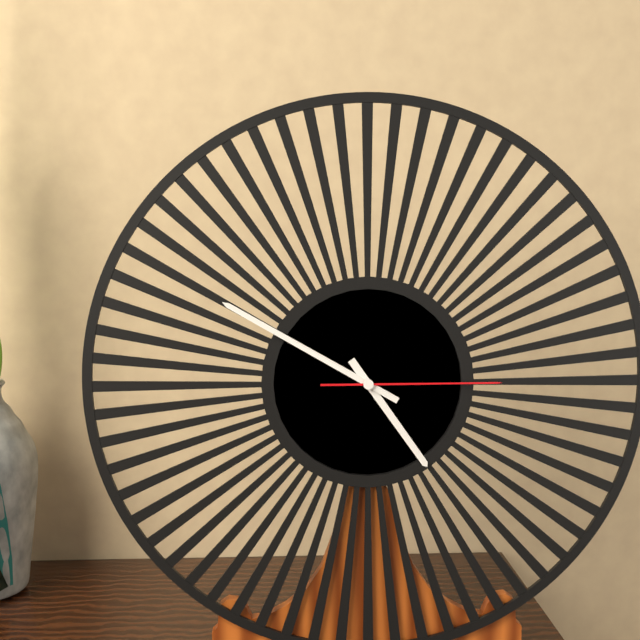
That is 4h50m15s
